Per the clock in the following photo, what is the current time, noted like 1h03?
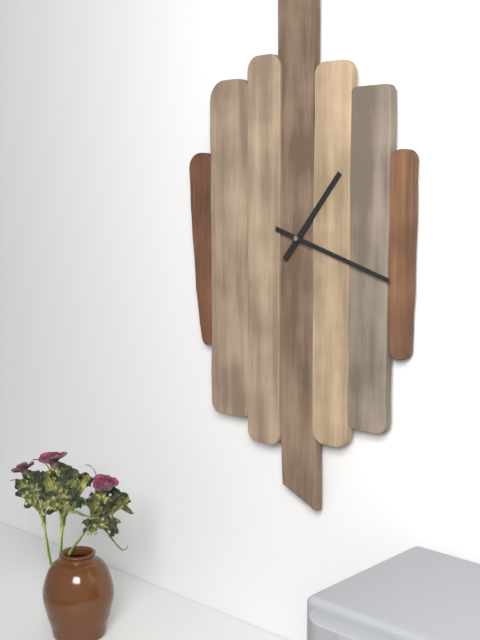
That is 1h18
